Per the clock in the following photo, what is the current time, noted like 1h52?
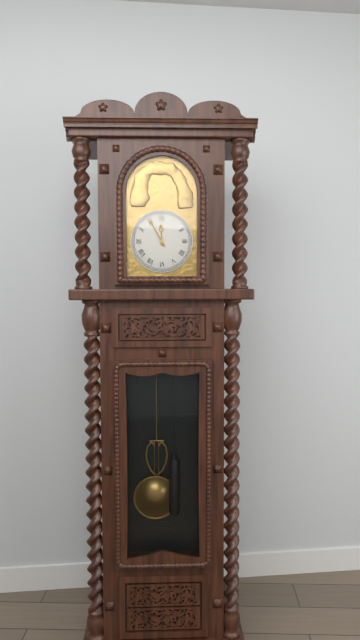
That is 11h55
